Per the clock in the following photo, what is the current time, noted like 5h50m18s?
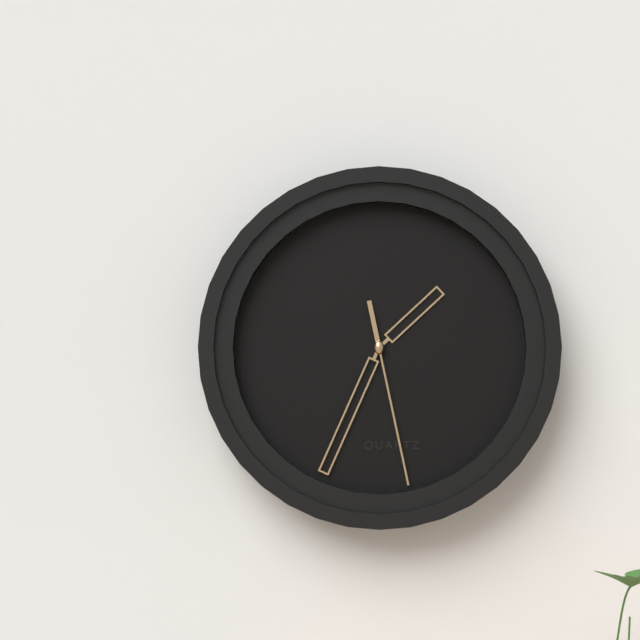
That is 1h34m28s
